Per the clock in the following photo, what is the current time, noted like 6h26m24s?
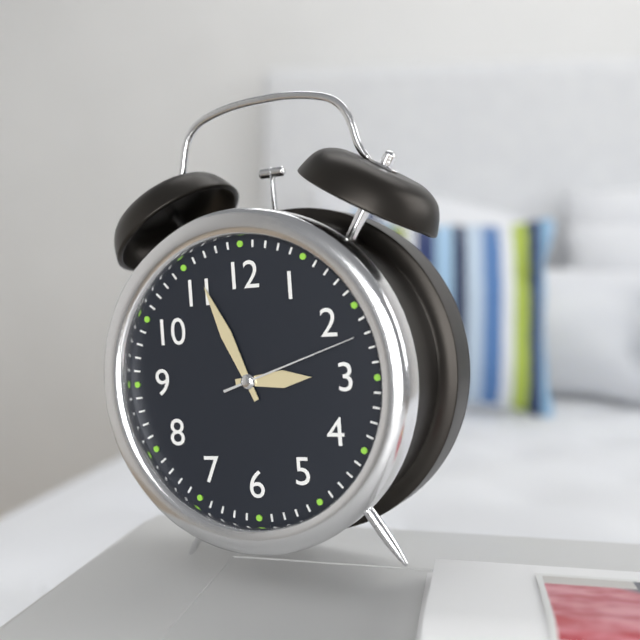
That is 2h56m12s
